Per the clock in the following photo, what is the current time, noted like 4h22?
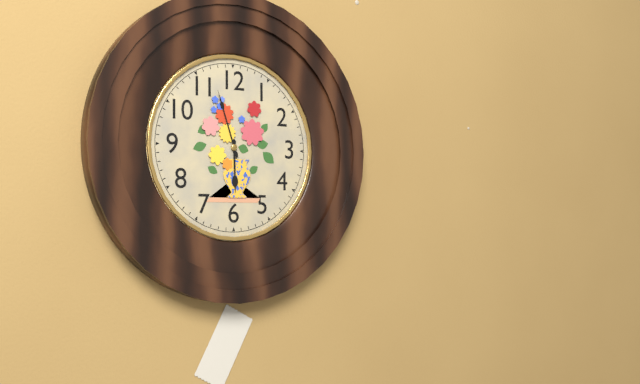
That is 5h57
